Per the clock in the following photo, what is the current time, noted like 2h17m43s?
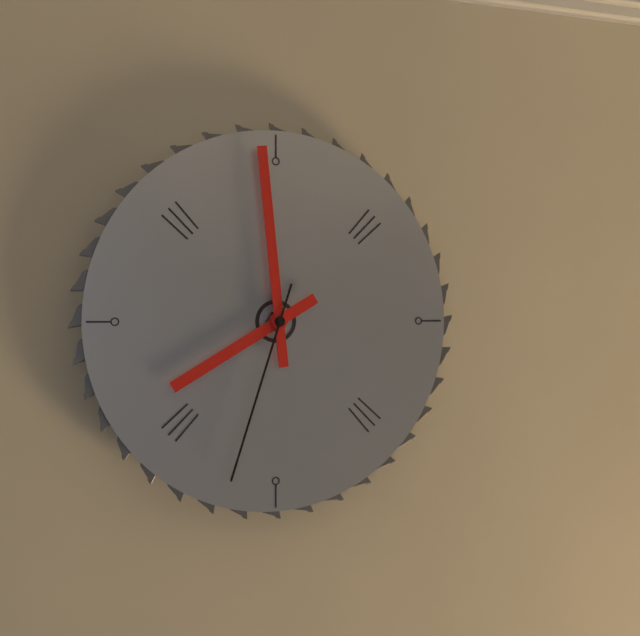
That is 7h59m33s
